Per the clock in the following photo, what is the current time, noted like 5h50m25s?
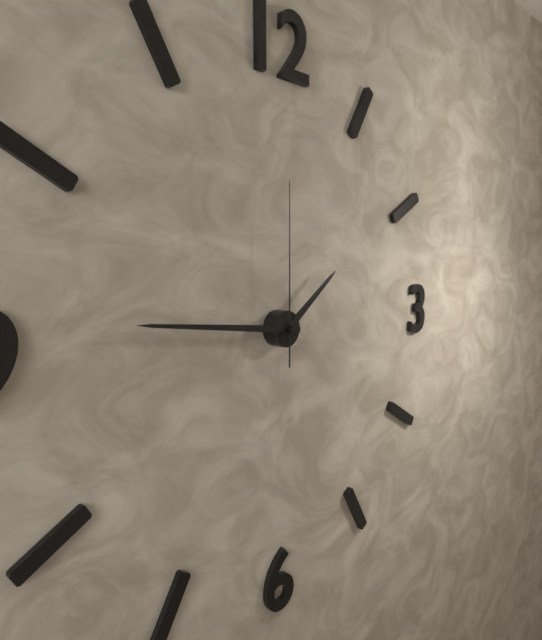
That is 1h46m00s
